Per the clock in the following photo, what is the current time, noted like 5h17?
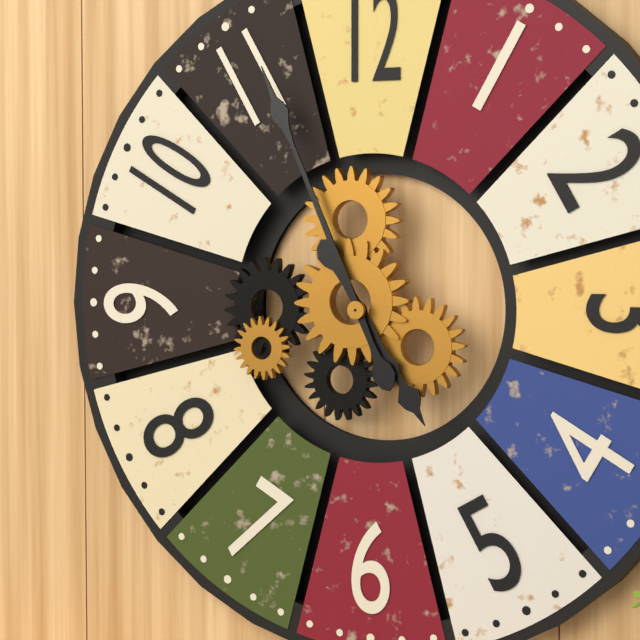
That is 4h56
